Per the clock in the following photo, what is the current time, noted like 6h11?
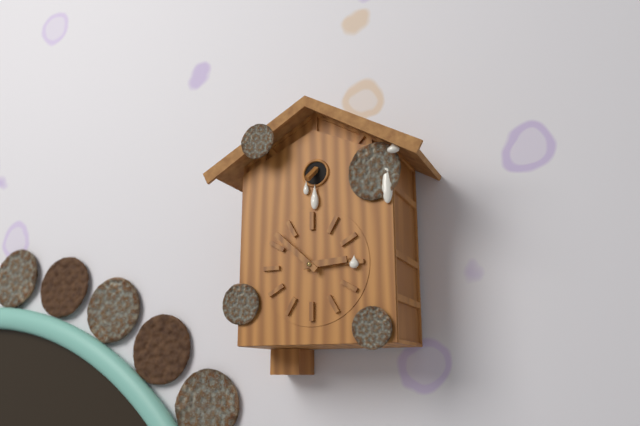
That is 2h52
